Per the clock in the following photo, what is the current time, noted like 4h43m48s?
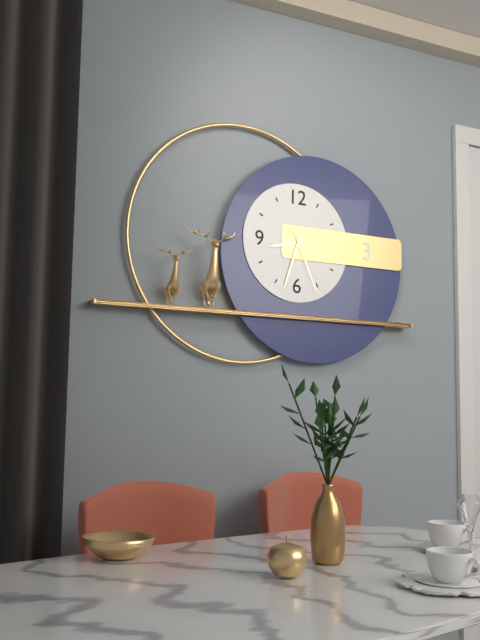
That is 8h33m26s
